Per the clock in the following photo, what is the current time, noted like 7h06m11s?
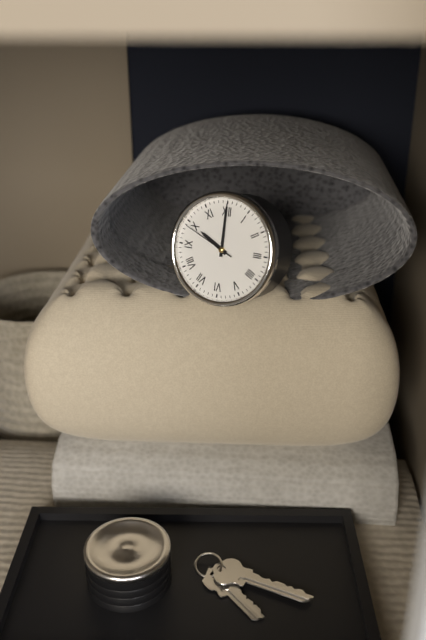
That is 10h00m49s
